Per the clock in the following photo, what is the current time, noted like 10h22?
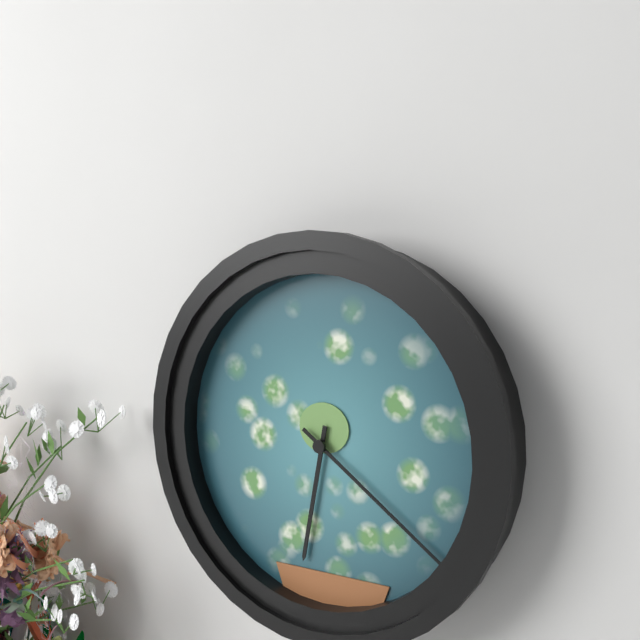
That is 6h21
